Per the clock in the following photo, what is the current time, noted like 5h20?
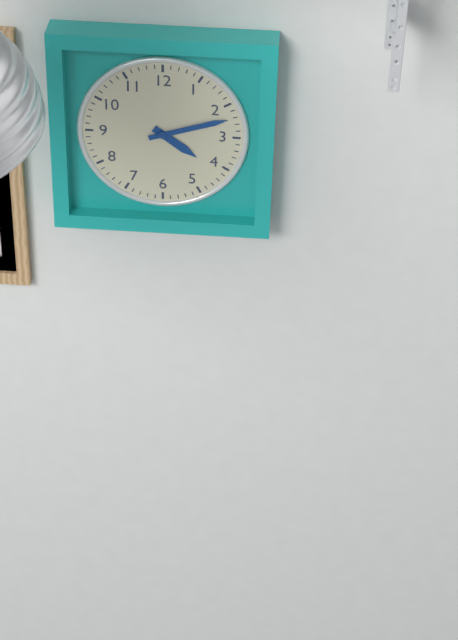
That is 4h12
